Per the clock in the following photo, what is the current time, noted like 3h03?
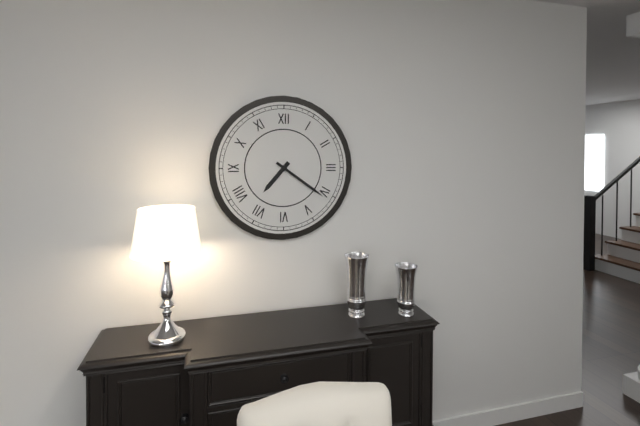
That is 7h21
